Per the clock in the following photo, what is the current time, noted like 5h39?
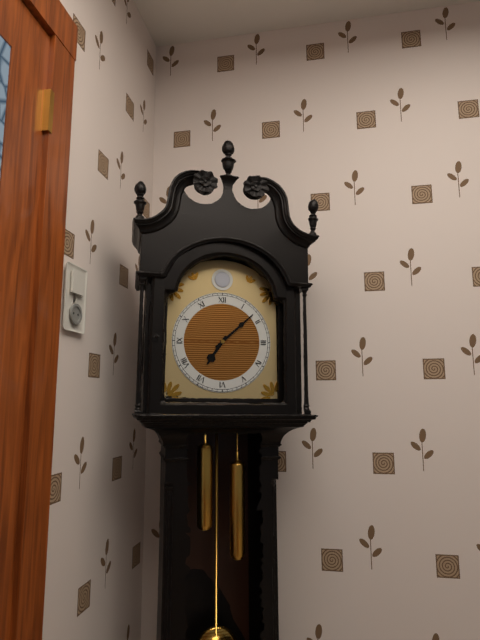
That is 7h08
